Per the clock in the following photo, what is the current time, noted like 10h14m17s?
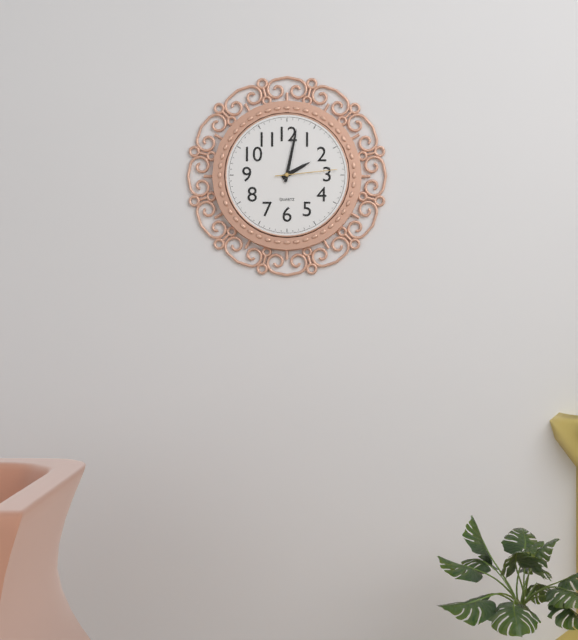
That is 2h02m14s
